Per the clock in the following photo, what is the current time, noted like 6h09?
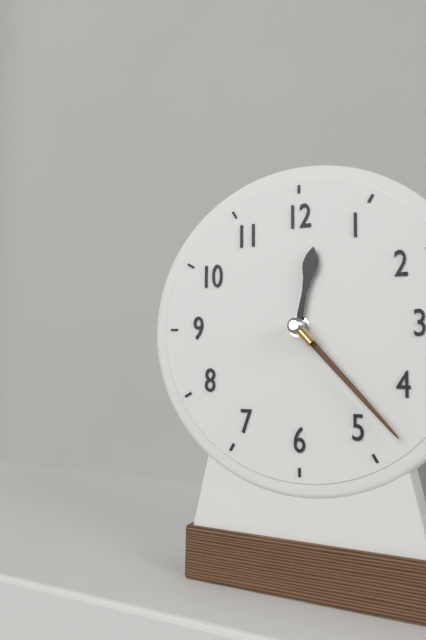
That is 12h23
